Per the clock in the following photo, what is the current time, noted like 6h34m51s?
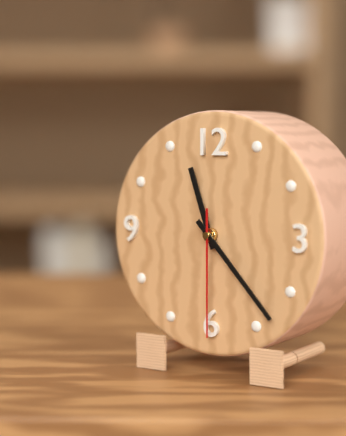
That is 11h23m30s
